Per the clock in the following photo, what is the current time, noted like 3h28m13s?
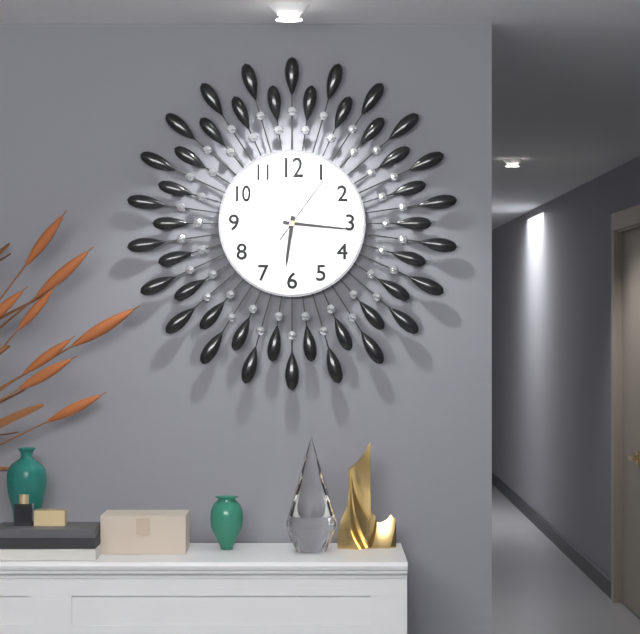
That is 6h16m06s
